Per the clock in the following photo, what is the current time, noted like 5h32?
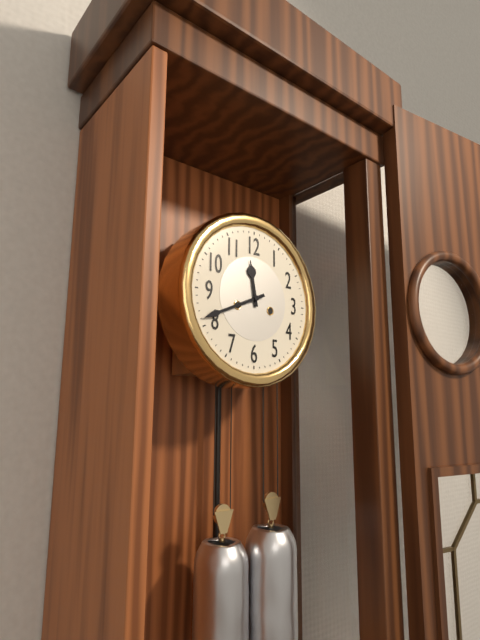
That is 11h41
